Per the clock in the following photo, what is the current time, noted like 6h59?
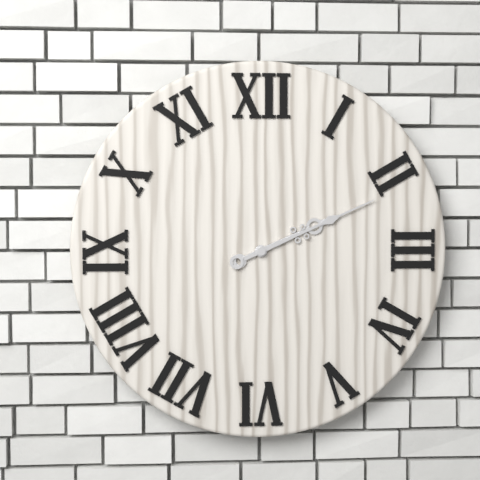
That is 2h11
